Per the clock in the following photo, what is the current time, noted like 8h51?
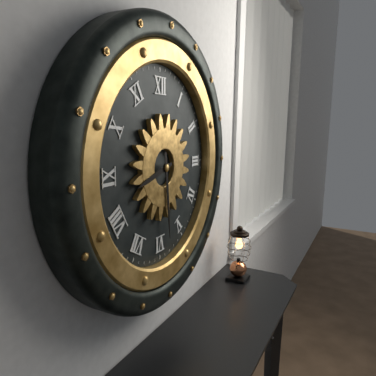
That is 8h29
